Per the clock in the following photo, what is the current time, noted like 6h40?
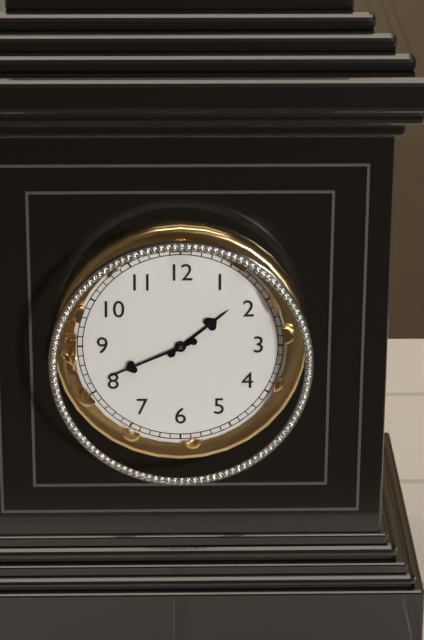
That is 1h41
